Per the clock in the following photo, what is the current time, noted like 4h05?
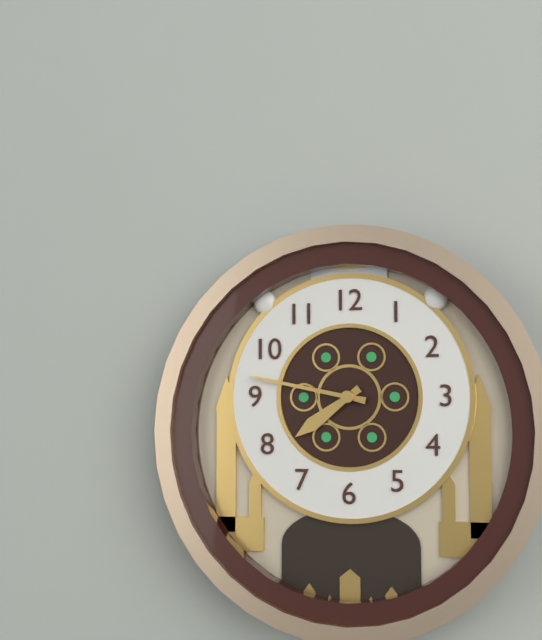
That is 7h47
